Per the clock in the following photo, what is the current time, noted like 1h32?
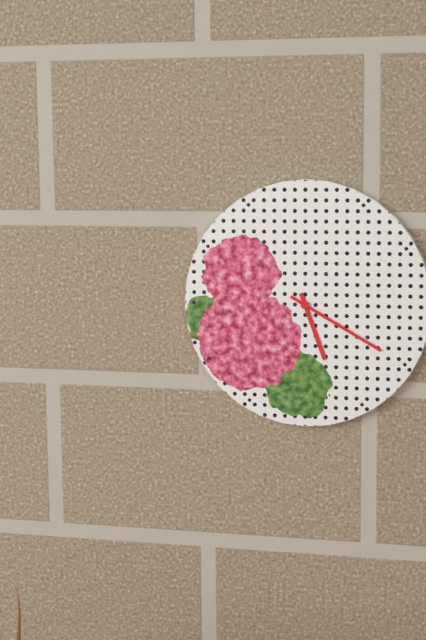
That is 5h20
